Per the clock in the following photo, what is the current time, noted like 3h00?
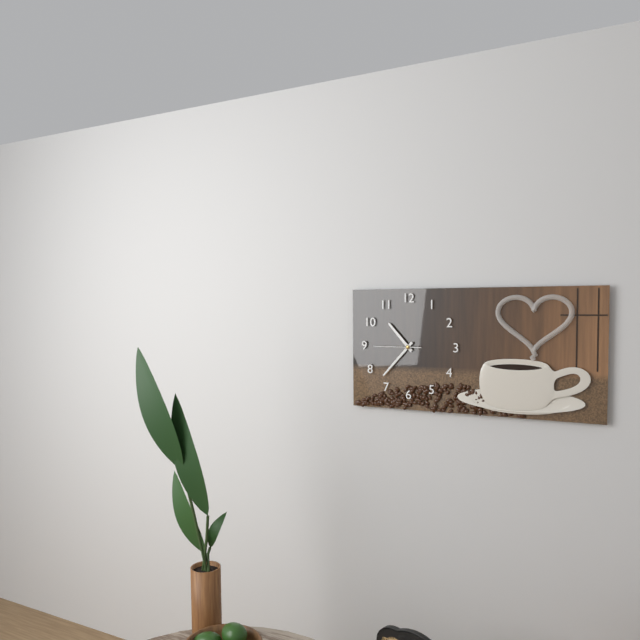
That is 10h37
